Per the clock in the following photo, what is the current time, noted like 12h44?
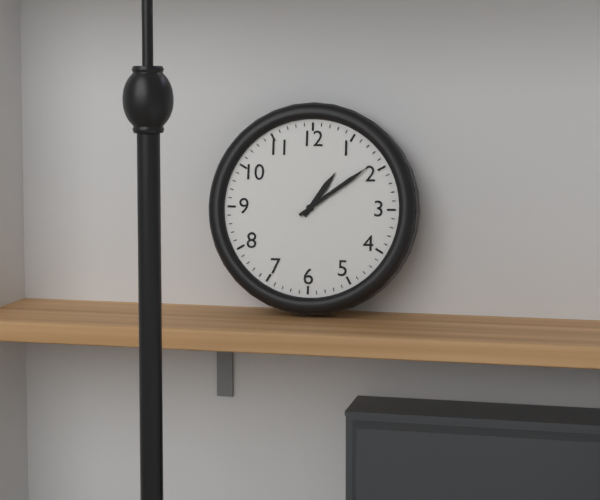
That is 1h09
